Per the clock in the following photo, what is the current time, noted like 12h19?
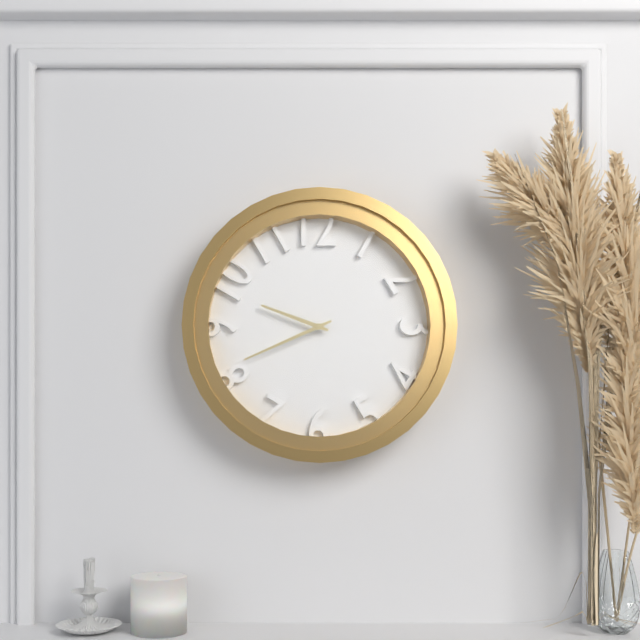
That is 9h41
